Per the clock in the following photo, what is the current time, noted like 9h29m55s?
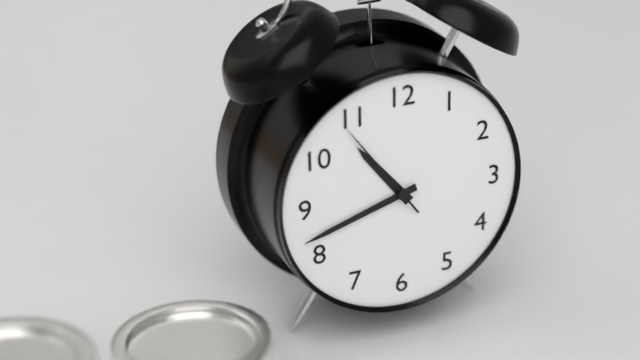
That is 10h42m54s
